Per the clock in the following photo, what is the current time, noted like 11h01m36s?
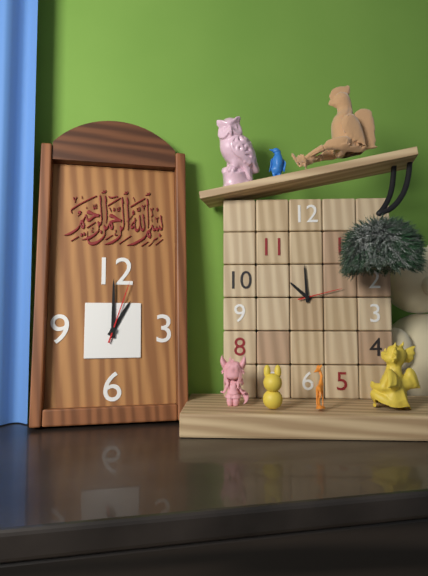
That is 1h00m03s
